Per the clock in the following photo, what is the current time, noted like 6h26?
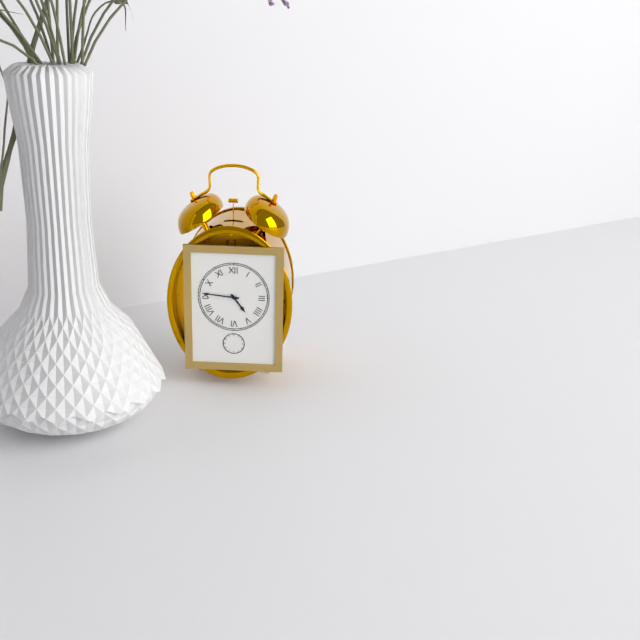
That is 4h46
